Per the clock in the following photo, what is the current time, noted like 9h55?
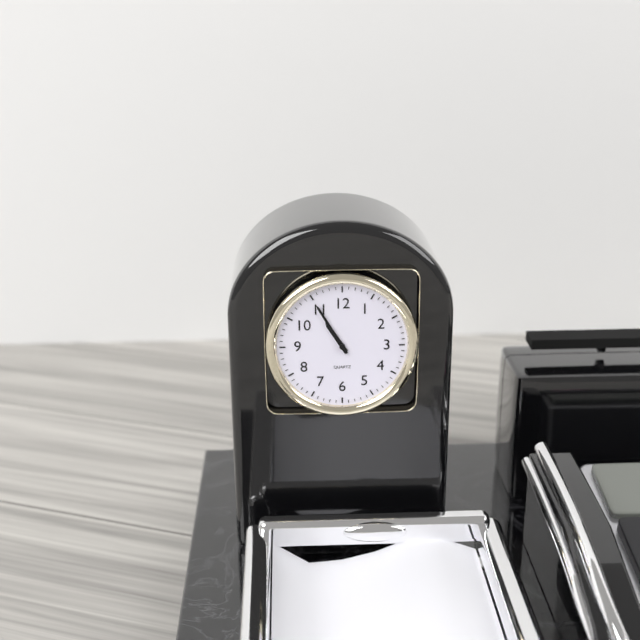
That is 10h55
